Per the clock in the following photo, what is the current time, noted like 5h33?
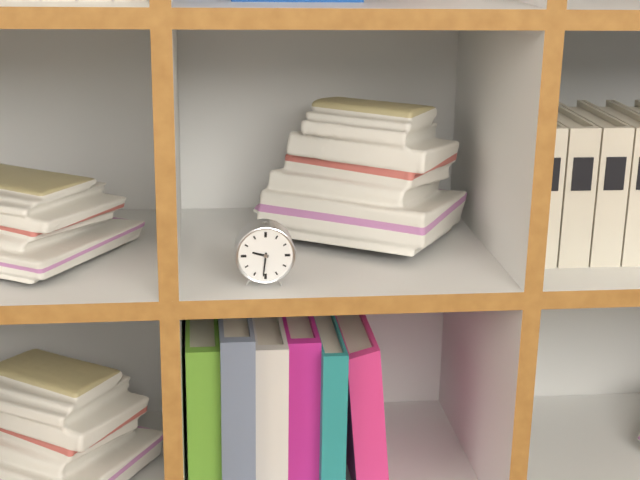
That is 9h31
